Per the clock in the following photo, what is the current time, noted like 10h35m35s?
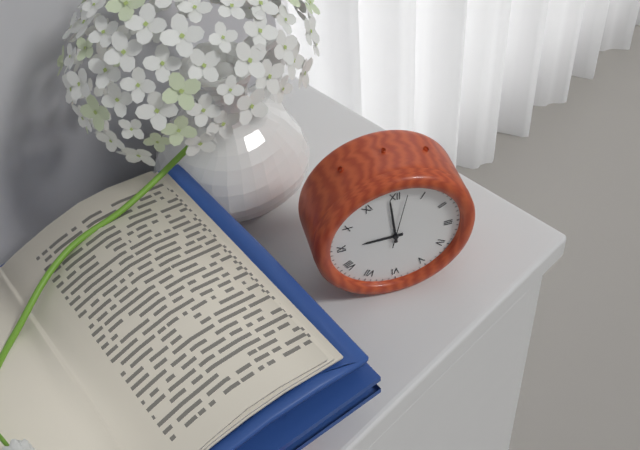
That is 8h59m02s
